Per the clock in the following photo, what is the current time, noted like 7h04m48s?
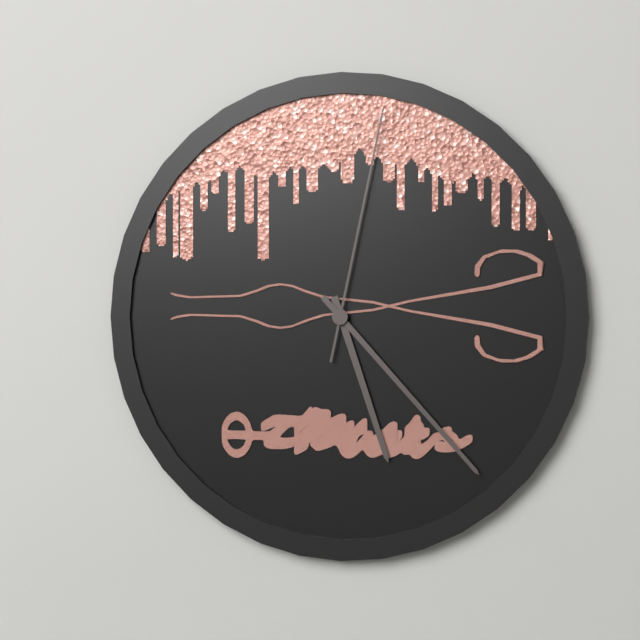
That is 5h23m02s
